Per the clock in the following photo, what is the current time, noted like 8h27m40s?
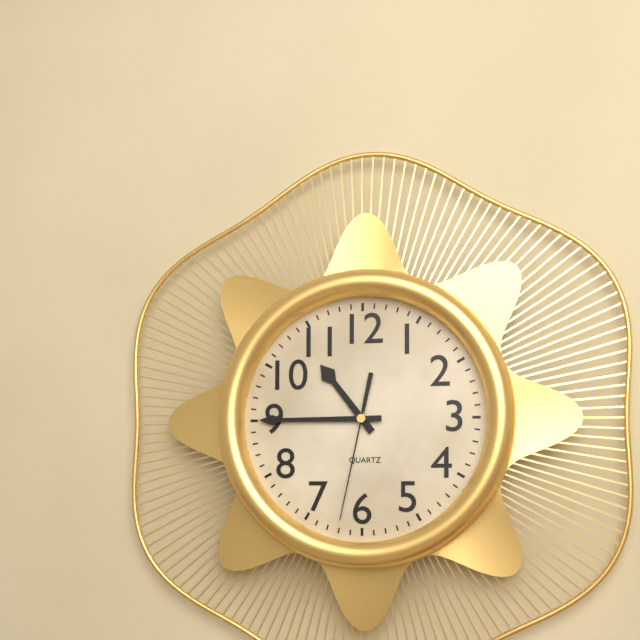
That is 10h45m32s
